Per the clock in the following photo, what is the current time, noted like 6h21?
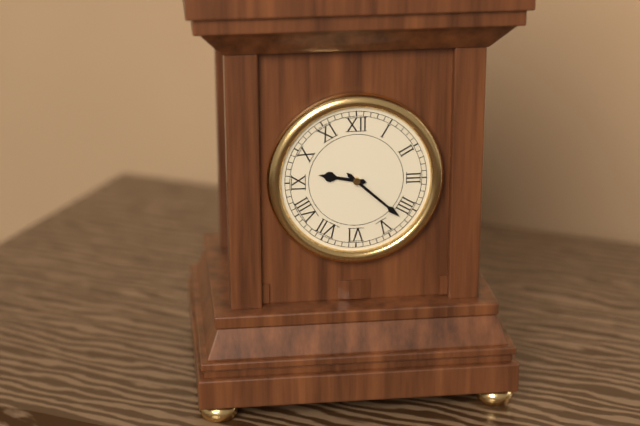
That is 9h22
